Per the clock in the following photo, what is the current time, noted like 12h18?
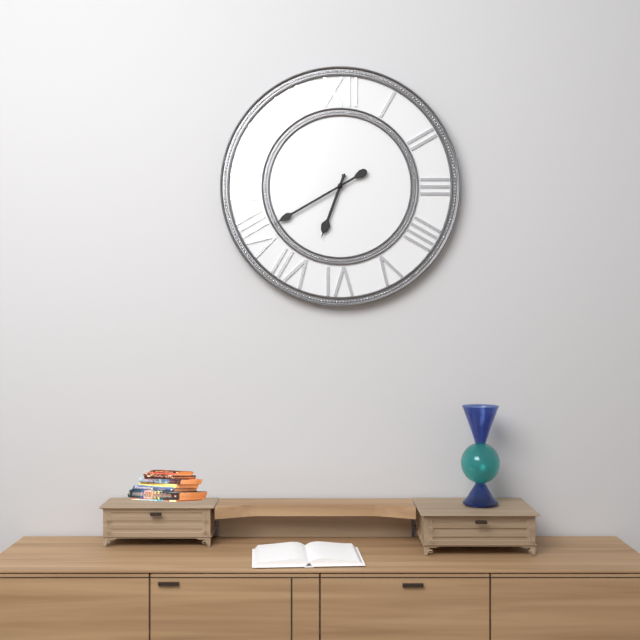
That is 6h40
